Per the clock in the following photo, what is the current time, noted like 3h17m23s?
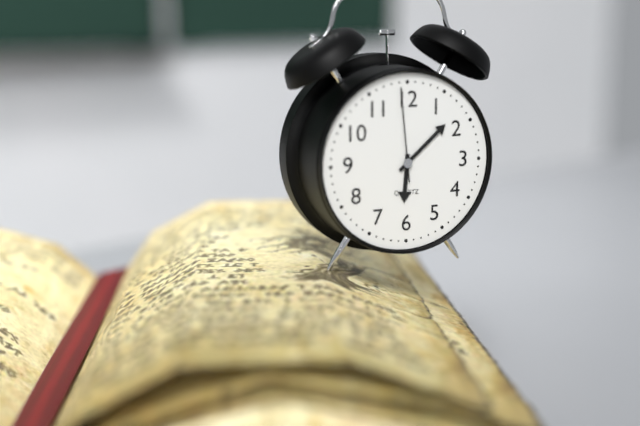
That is 6h08m59s
